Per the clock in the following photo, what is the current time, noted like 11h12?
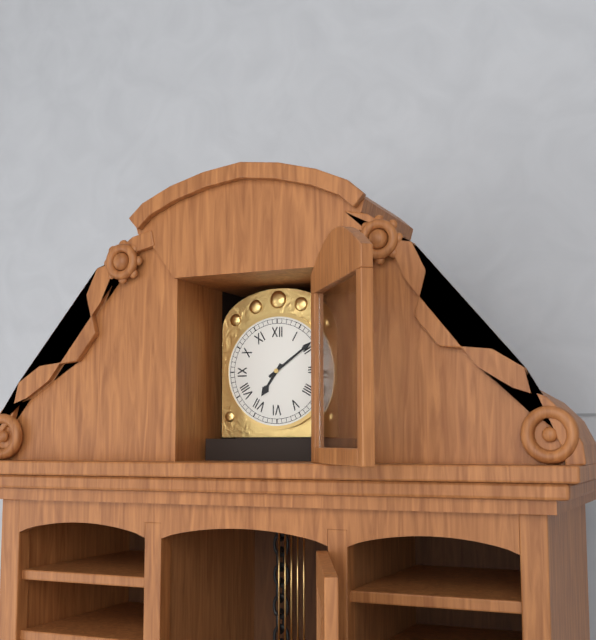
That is 7h09
